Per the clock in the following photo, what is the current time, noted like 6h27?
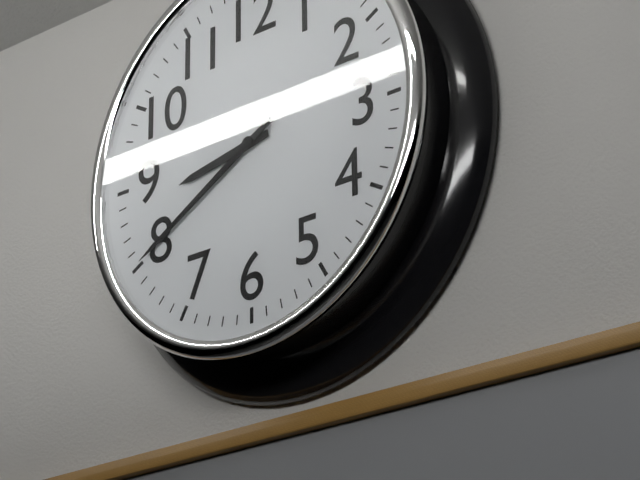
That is 8h40
